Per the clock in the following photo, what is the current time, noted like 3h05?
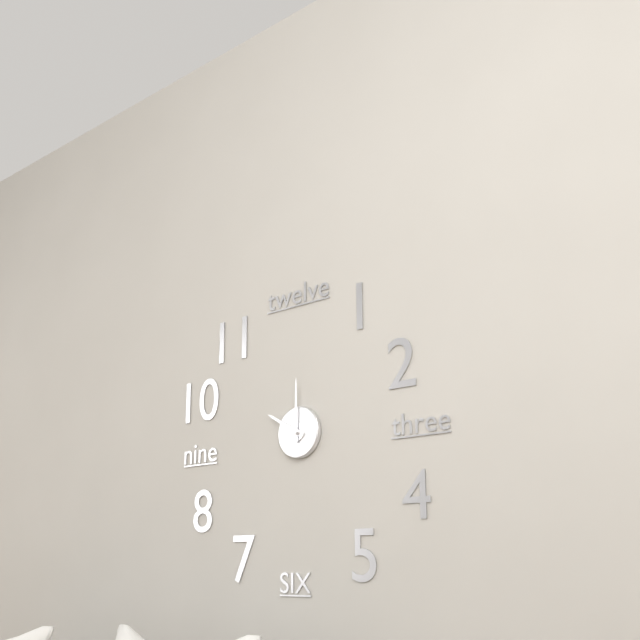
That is 10h00
